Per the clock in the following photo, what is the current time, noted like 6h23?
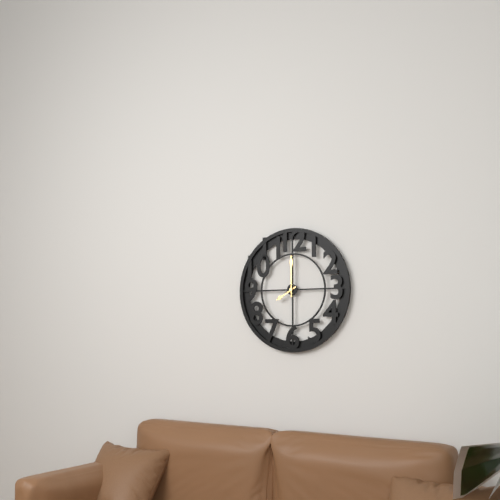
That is 8h00
